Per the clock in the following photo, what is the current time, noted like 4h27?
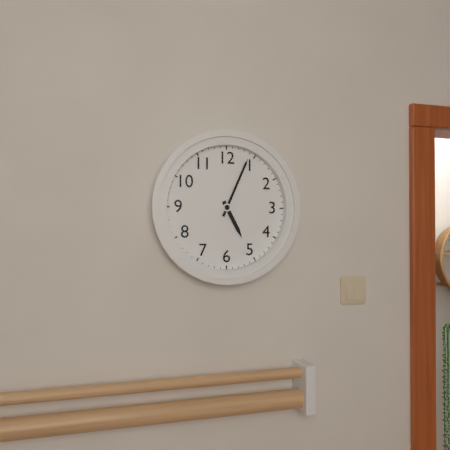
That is 5h04
